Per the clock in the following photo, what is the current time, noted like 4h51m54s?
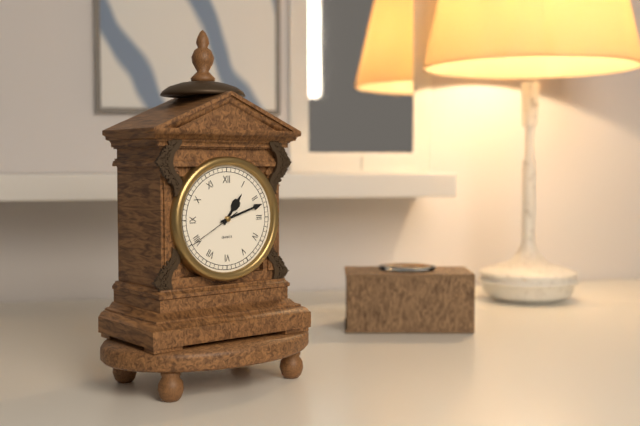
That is 1h12m40s
